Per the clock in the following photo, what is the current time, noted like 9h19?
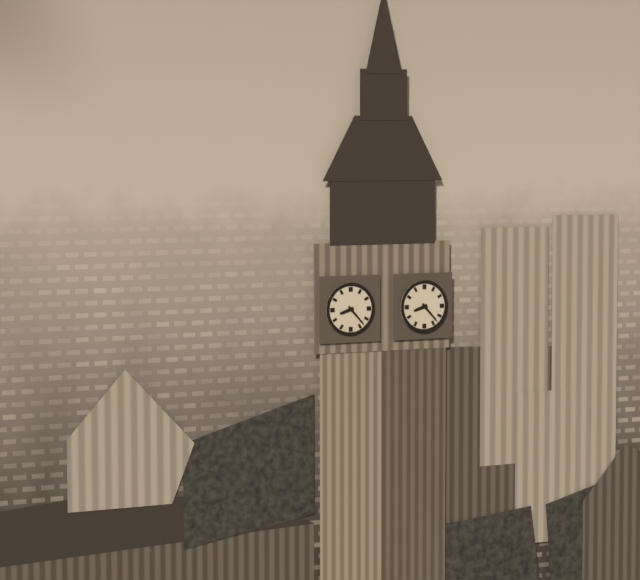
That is 8h23
